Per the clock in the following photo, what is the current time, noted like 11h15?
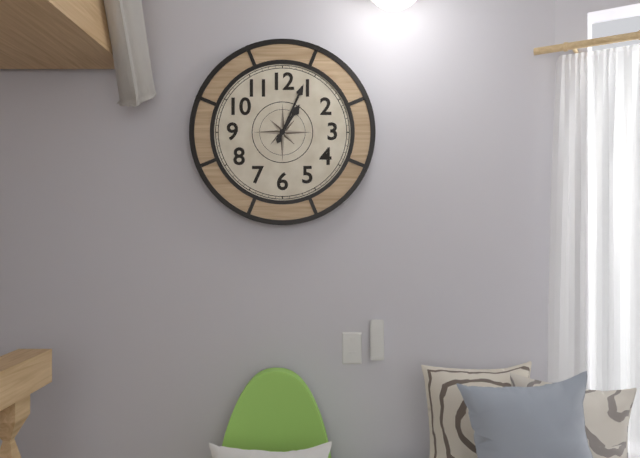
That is 1h04
